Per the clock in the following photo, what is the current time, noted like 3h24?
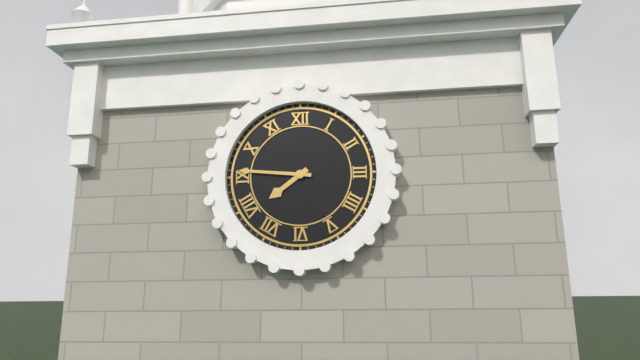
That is 7h46
